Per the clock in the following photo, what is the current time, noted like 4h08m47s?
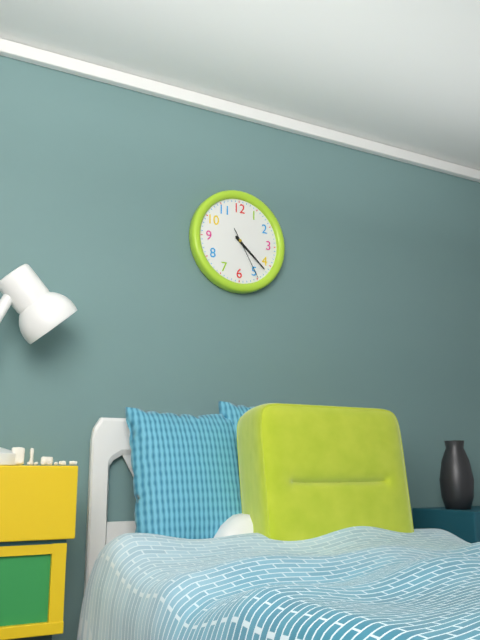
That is 4h22m25s
